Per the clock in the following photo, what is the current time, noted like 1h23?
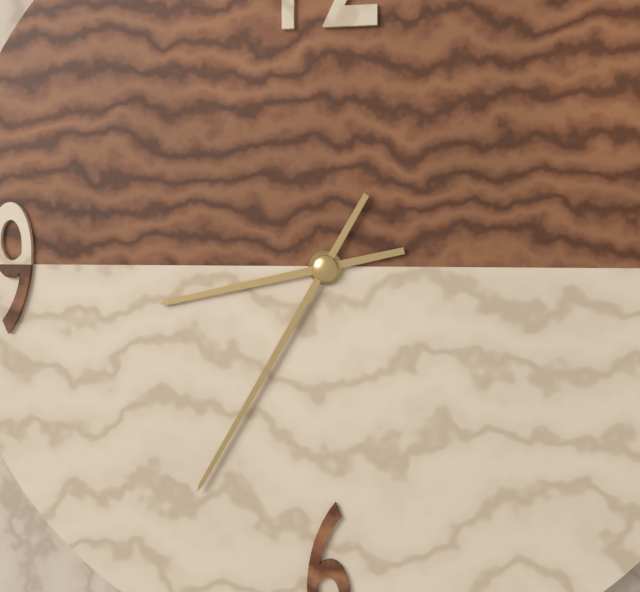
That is 8h35
